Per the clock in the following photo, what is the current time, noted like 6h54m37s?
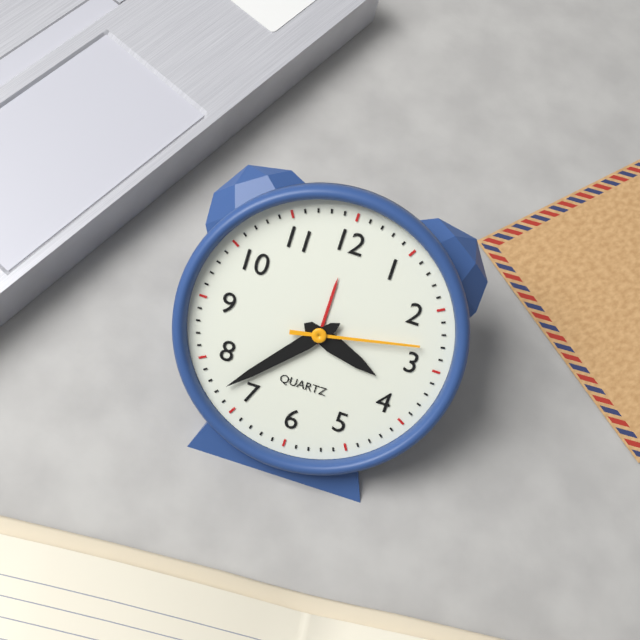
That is 3h37m13s
